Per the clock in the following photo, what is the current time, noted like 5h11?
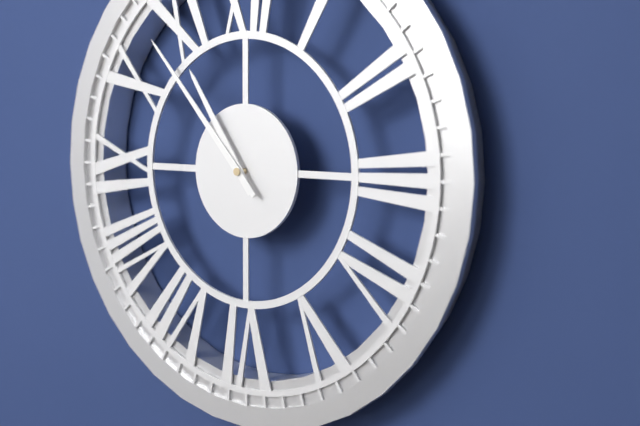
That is 10h53
